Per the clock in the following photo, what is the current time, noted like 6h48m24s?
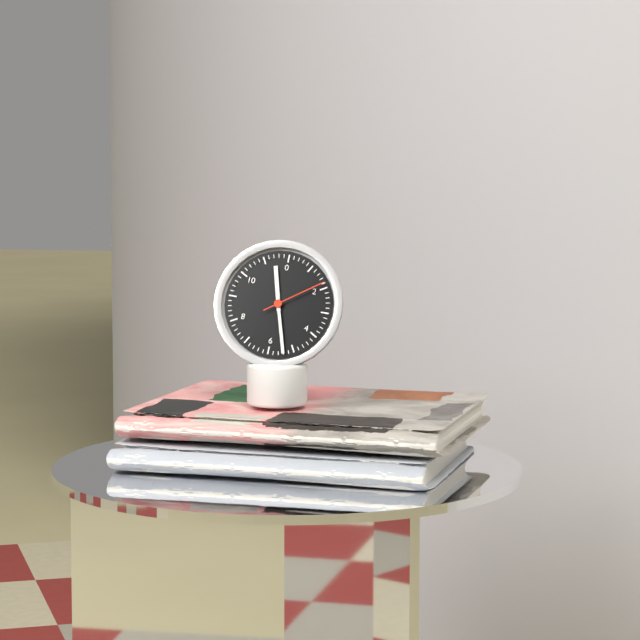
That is 11h27m09s
